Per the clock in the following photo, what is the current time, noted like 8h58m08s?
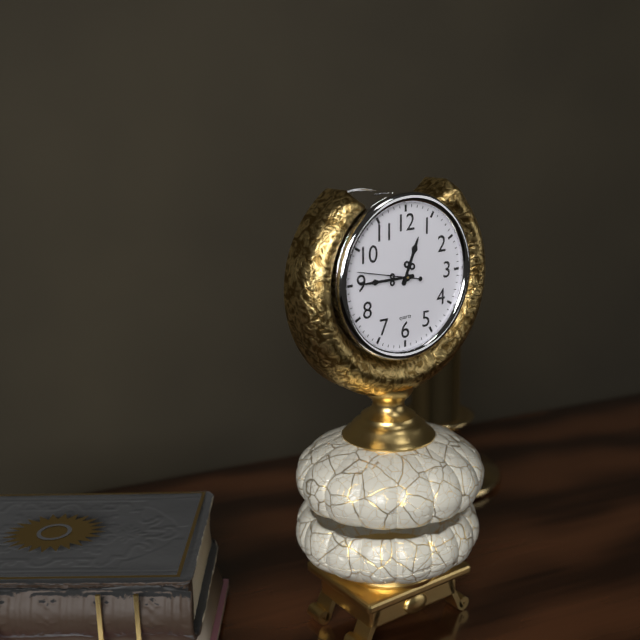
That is 12h45m47s
